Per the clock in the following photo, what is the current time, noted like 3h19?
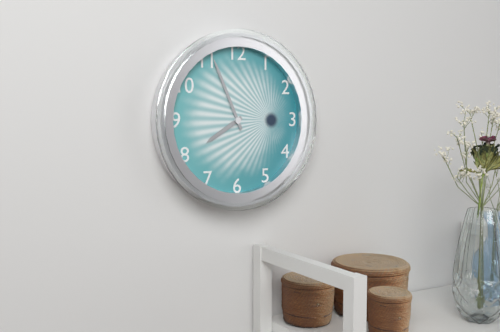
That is 7h56
